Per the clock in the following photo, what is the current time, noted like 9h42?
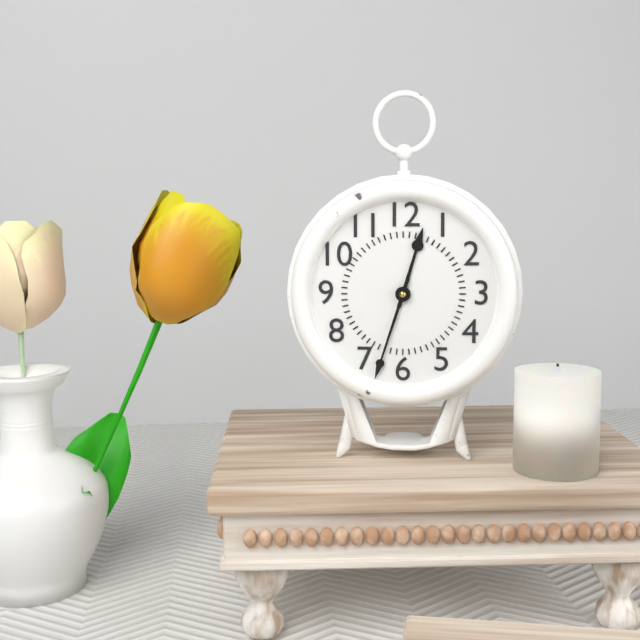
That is 12h33
